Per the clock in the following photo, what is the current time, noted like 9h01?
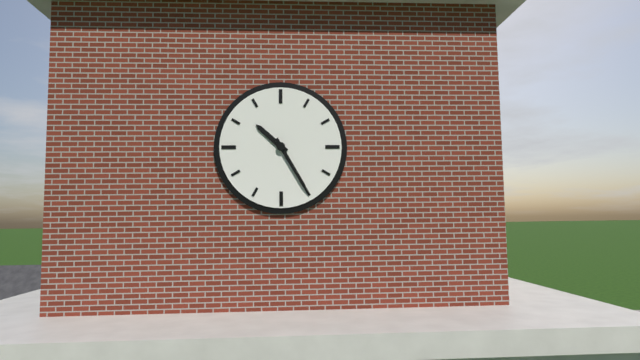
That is 10h25
